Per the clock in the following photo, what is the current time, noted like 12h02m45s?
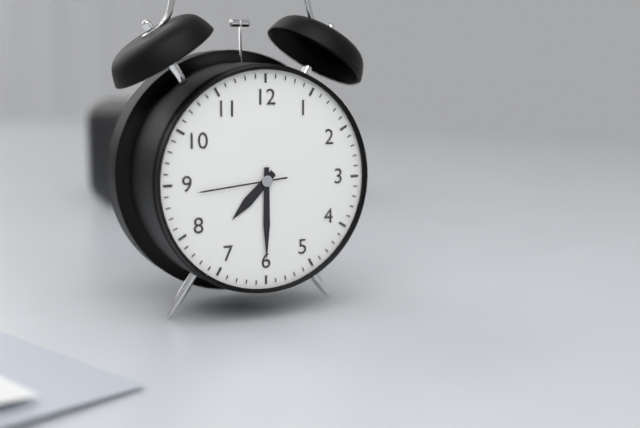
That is 7h30m44s
